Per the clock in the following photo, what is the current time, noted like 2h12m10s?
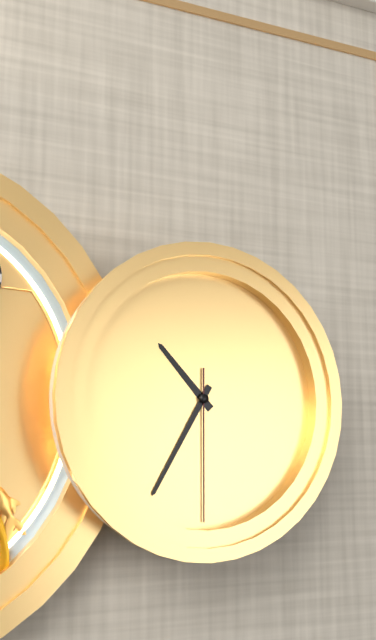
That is 10h35m30s
